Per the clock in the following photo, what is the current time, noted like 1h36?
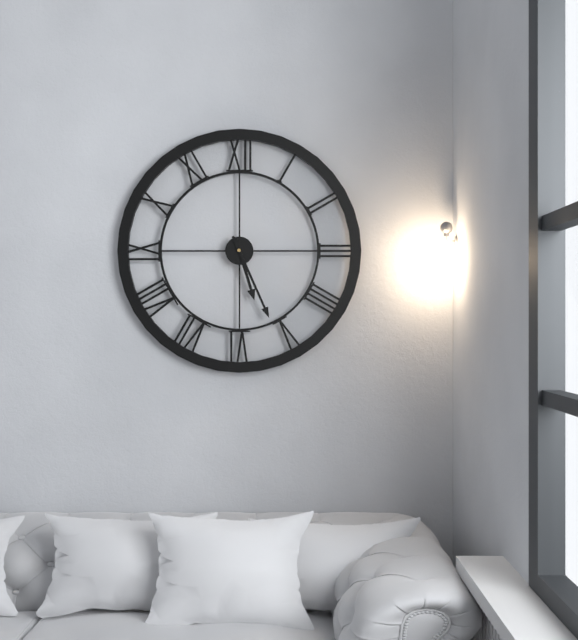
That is 5h26
